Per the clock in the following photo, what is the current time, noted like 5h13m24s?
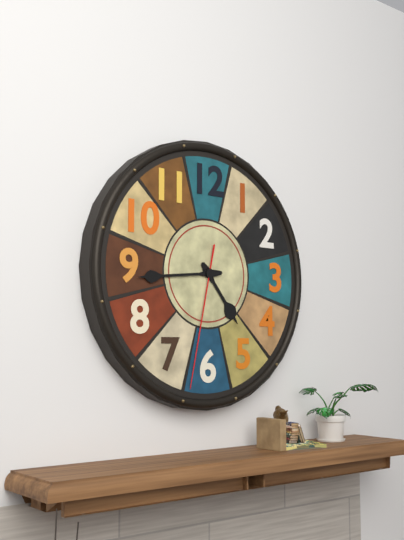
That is 4h44m32s
